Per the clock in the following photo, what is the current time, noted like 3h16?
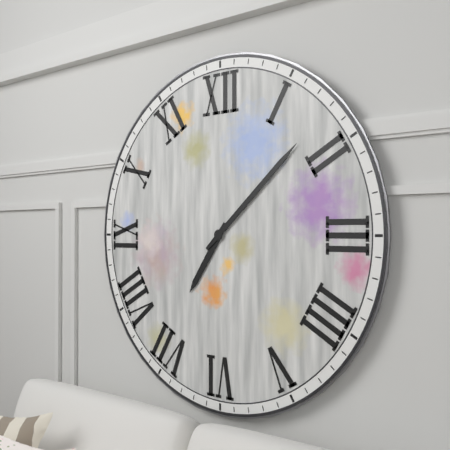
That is 7h08
